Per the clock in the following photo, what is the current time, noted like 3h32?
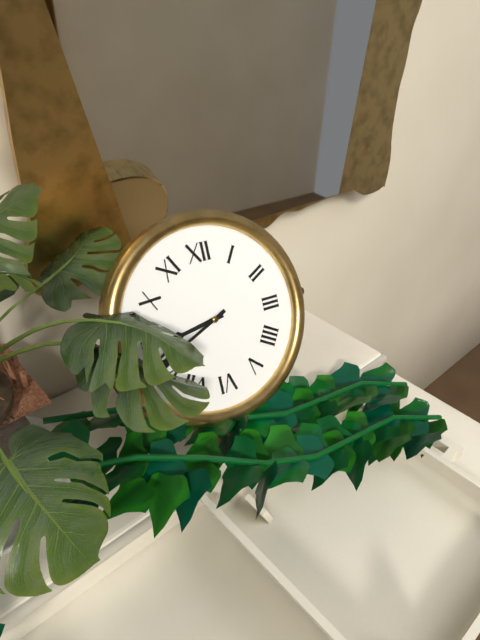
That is 8h41
